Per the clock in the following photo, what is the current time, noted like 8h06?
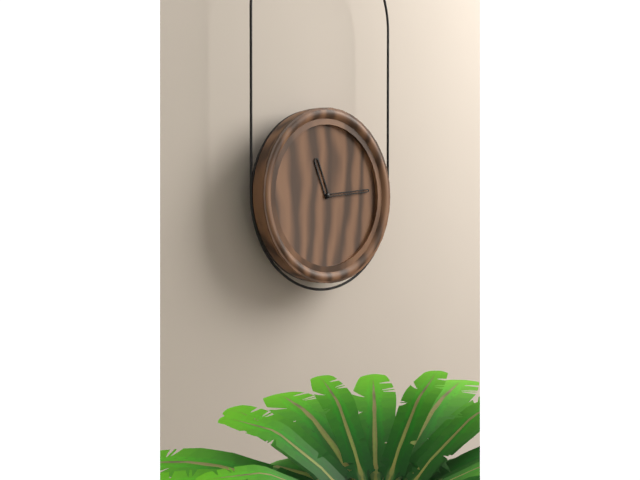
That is 11h14
